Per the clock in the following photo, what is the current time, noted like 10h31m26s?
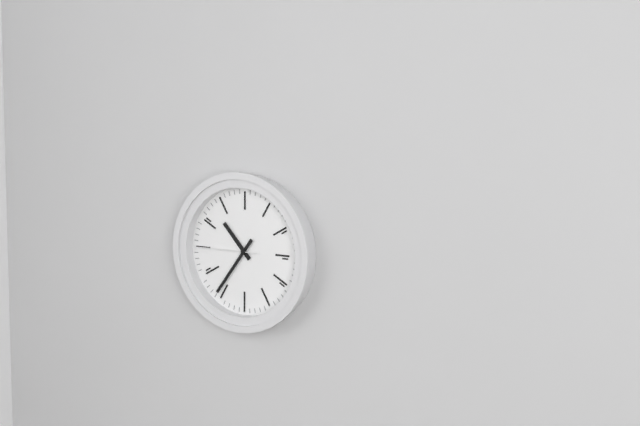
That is 10h36m45s
